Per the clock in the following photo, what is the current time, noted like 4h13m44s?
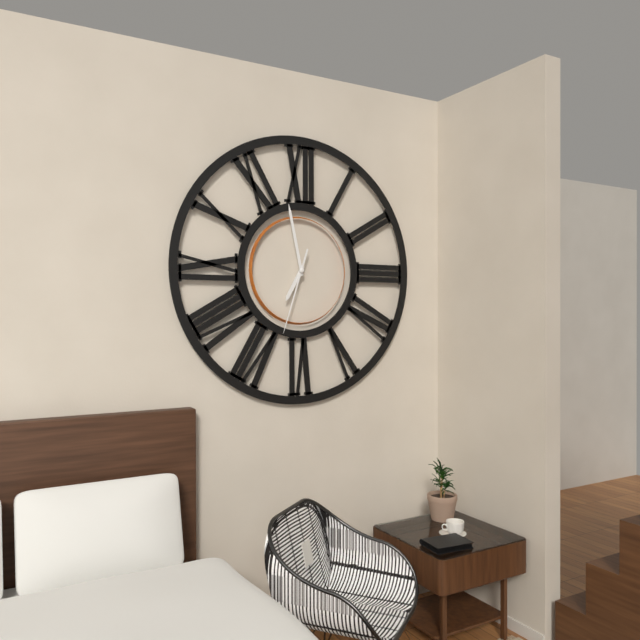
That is 6h58m33s
